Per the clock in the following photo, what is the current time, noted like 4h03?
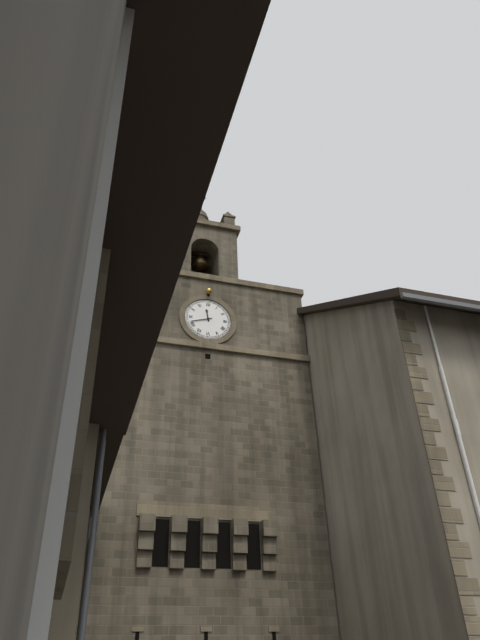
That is 11h42
